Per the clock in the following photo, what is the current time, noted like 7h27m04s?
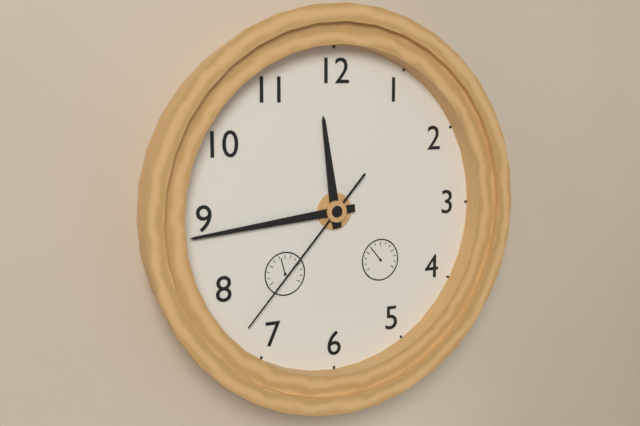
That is 11h44m37s
